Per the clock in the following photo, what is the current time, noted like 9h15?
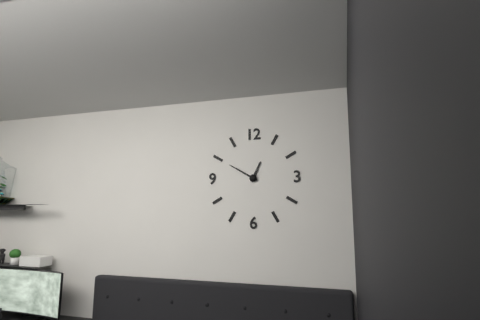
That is 12h50
